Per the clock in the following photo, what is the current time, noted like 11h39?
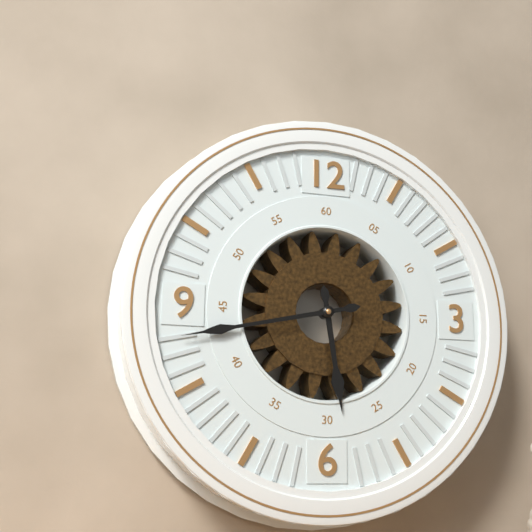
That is 5h43
